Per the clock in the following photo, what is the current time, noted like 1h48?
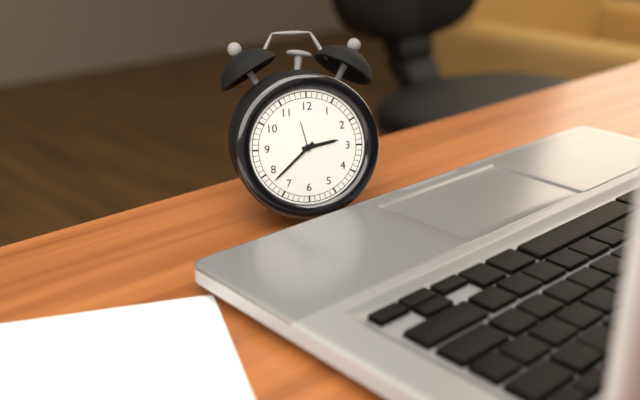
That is 2h38
